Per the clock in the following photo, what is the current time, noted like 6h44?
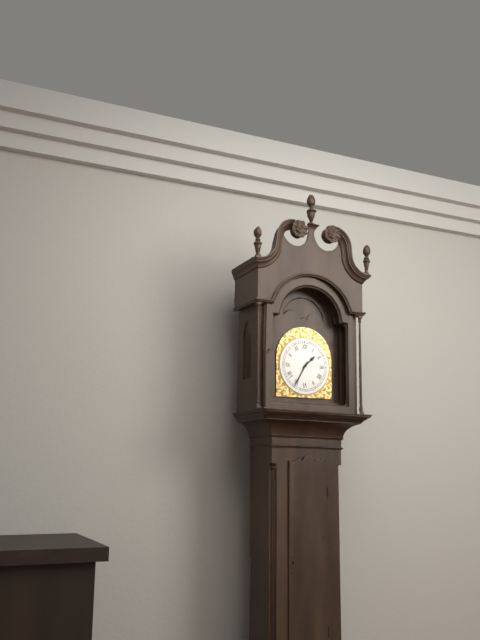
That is 1h35
